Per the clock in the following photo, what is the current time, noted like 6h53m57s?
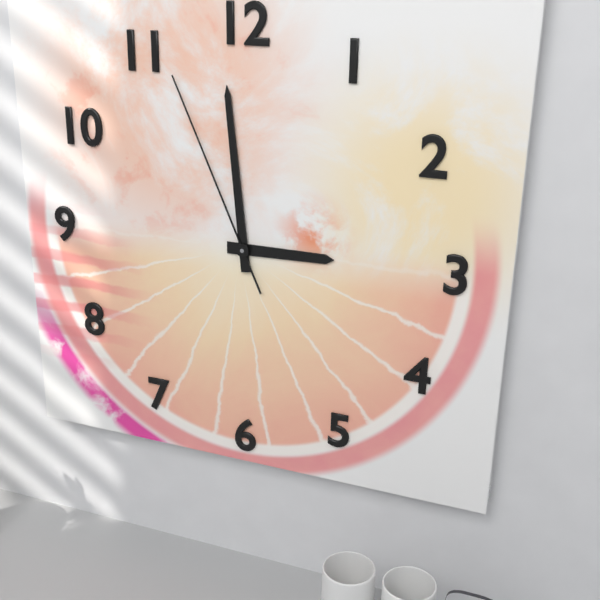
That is 2h59m56s
